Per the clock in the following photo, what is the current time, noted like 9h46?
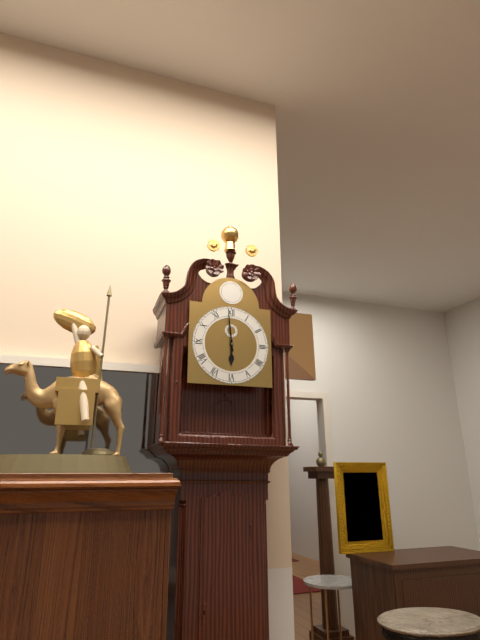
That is 5h59
